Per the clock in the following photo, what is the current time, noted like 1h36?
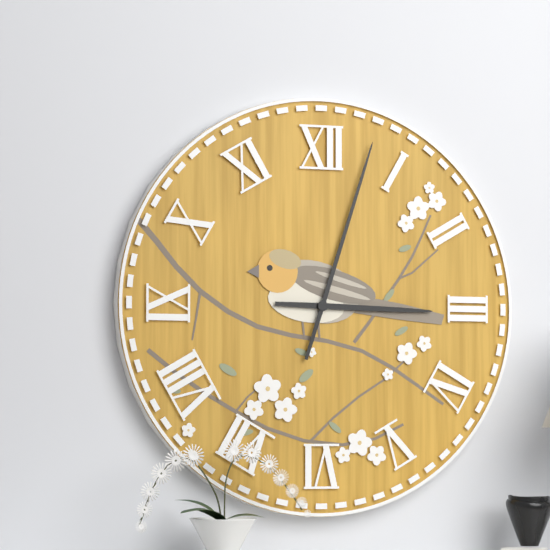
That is 3h03
